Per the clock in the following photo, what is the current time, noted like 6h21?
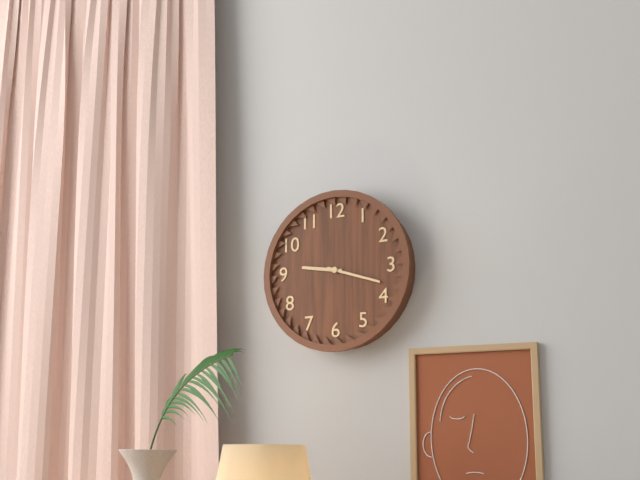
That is 9h18
